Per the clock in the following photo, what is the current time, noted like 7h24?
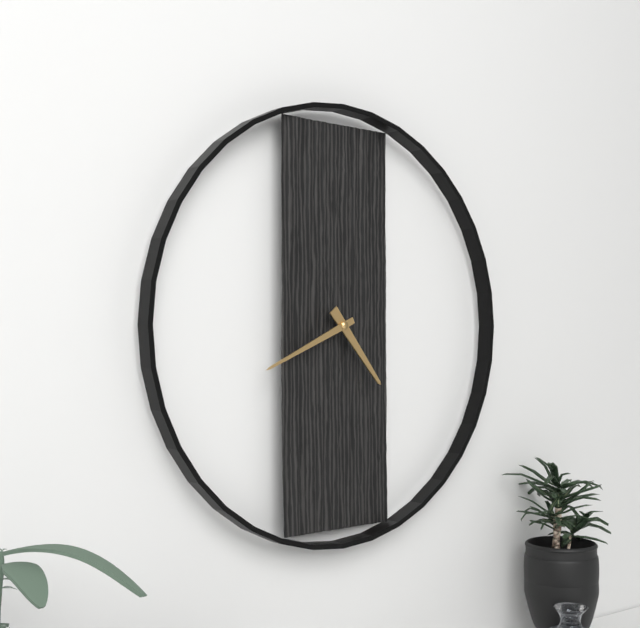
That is 4h41
